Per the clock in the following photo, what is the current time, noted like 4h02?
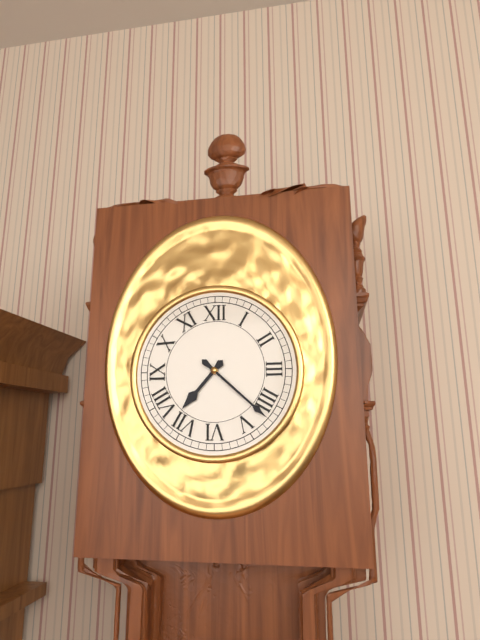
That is 7h22
